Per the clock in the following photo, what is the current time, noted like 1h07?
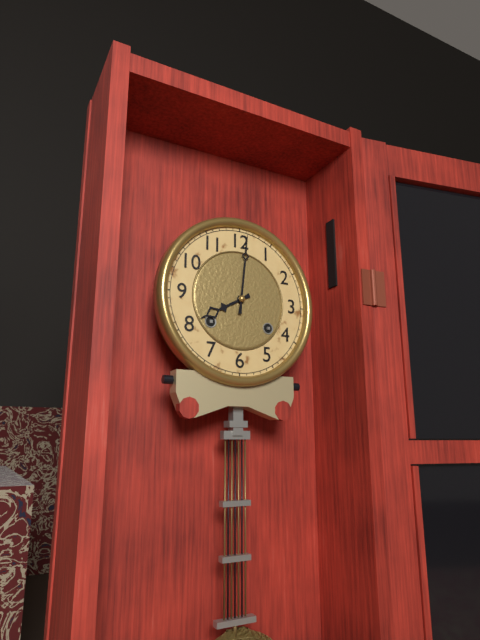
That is 8h01
